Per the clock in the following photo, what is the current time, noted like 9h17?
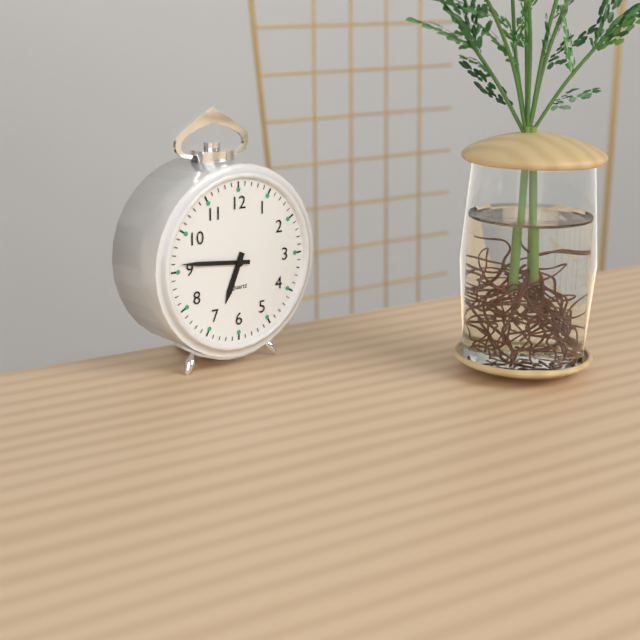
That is 6h46
